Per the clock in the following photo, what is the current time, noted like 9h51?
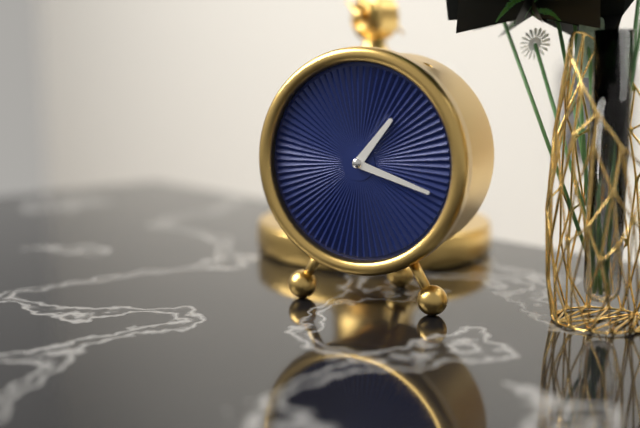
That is 1h18
